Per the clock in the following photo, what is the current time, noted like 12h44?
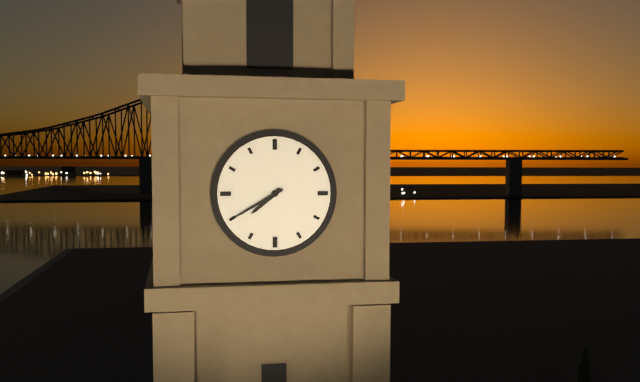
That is 7h40
